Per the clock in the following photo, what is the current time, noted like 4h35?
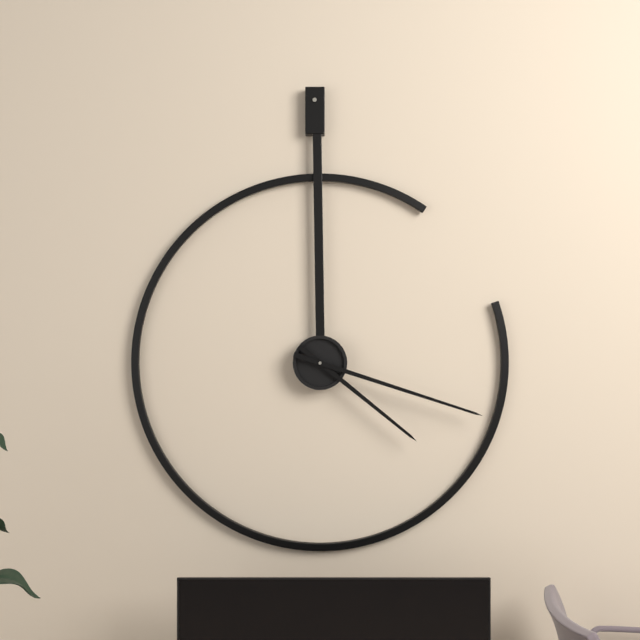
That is 4h18
